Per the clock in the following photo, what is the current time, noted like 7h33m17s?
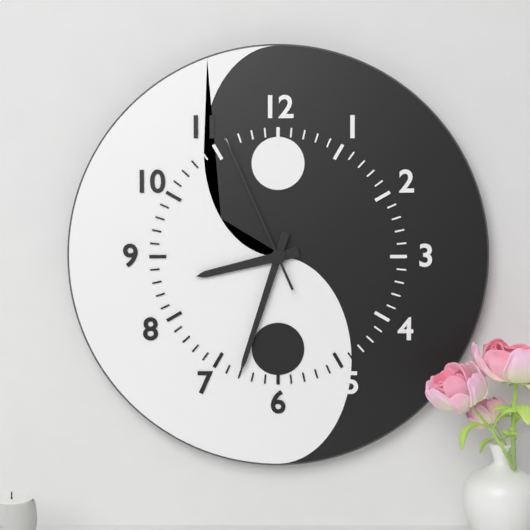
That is 8h33m56s
